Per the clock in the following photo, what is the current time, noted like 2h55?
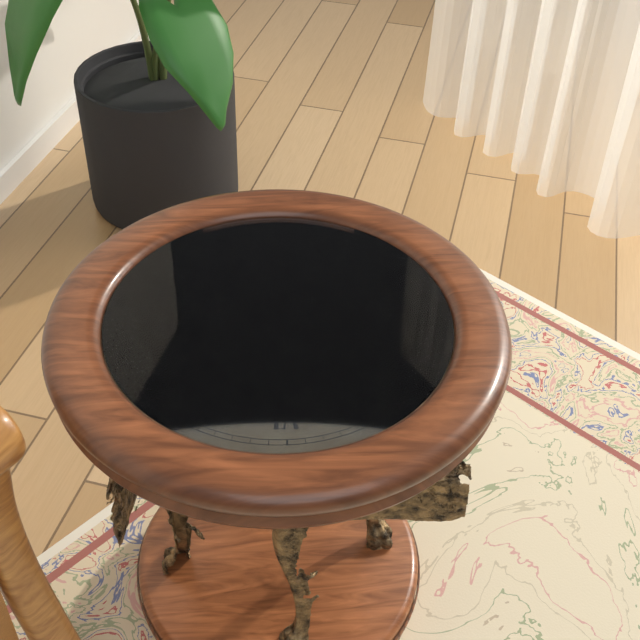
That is 3h14
